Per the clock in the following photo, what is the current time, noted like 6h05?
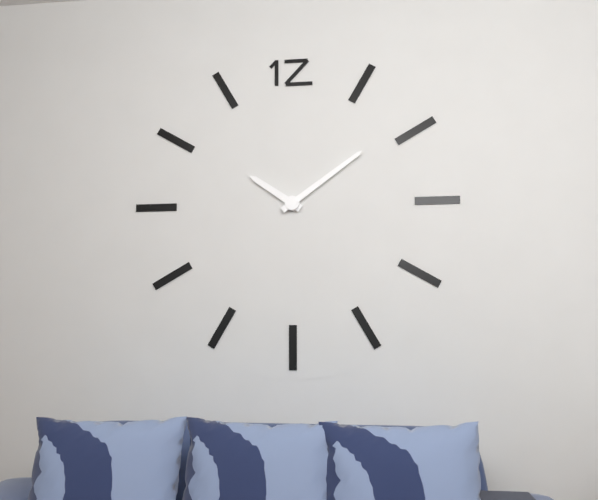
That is 10h09
